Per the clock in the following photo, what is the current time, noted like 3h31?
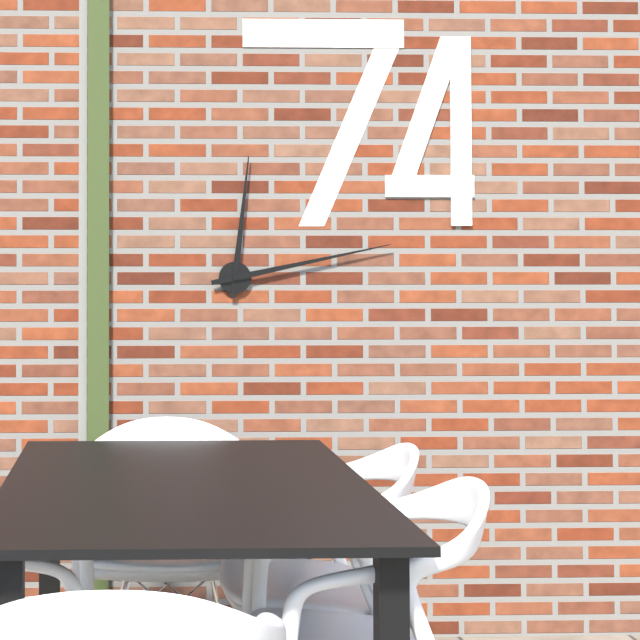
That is 12h13
